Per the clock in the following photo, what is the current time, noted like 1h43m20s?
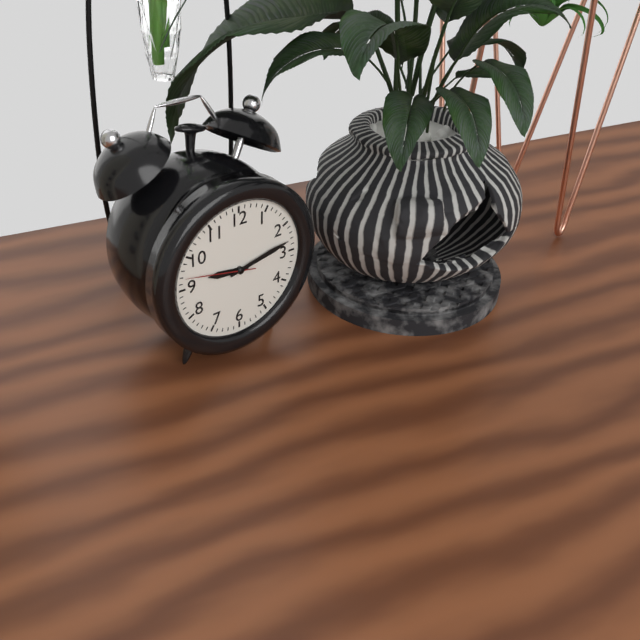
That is 9h13m47s
